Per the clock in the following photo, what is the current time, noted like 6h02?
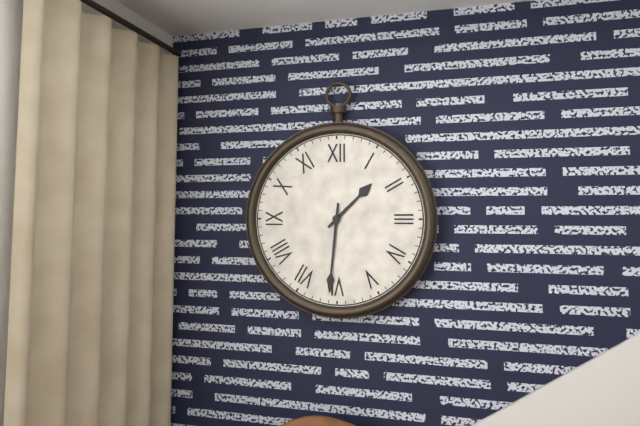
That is 1h31
